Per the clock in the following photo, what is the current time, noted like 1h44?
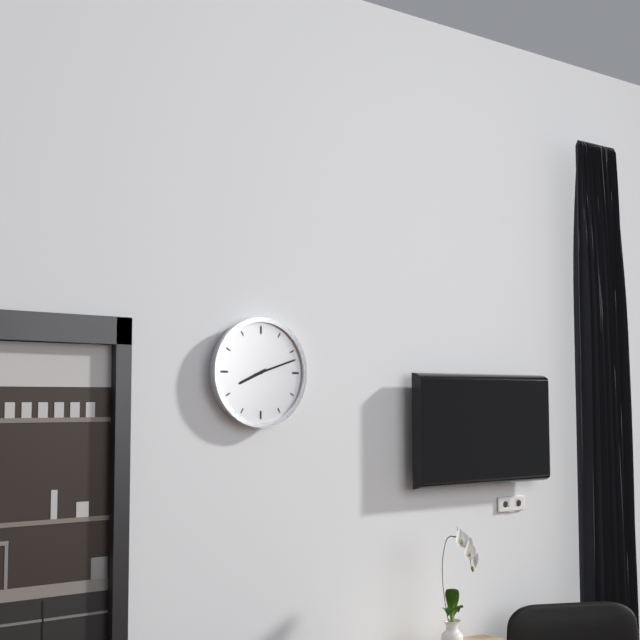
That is 8h12
